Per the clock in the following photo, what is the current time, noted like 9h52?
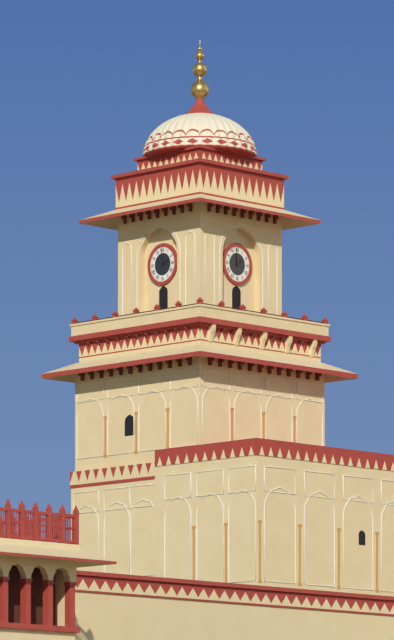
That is 1h59
